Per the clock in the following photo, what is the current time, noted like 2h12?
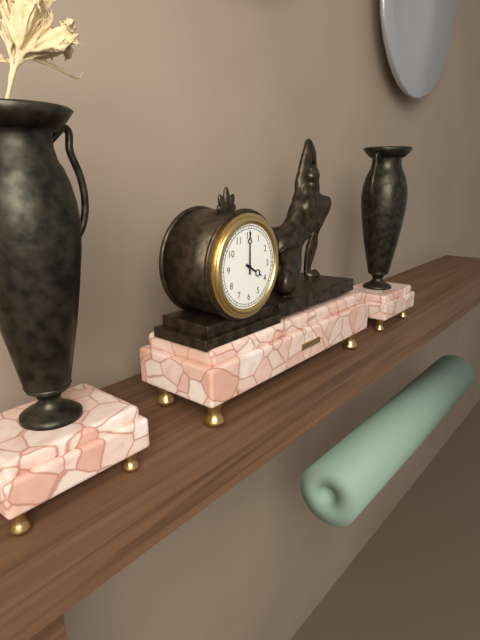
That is 4h00
